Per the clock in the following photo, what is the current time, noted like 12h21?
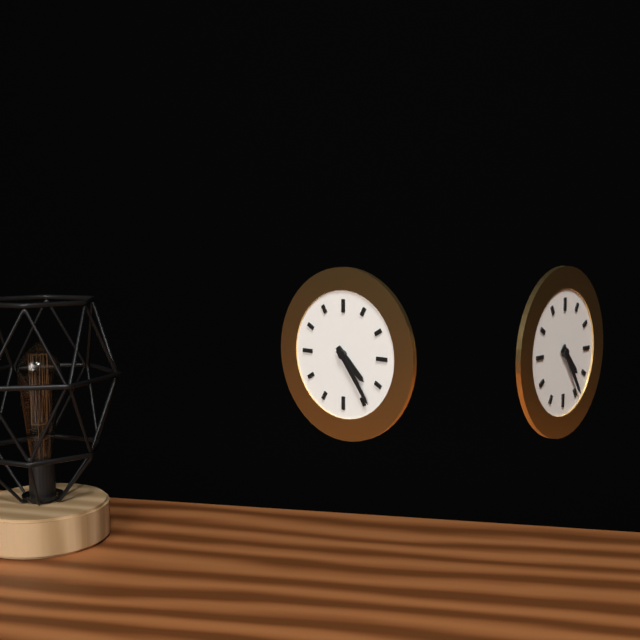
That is 4h24
